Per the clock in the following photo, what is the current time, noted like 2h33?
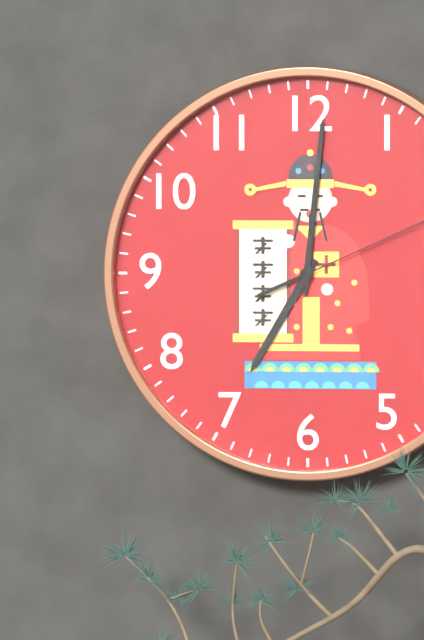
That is 7h01
